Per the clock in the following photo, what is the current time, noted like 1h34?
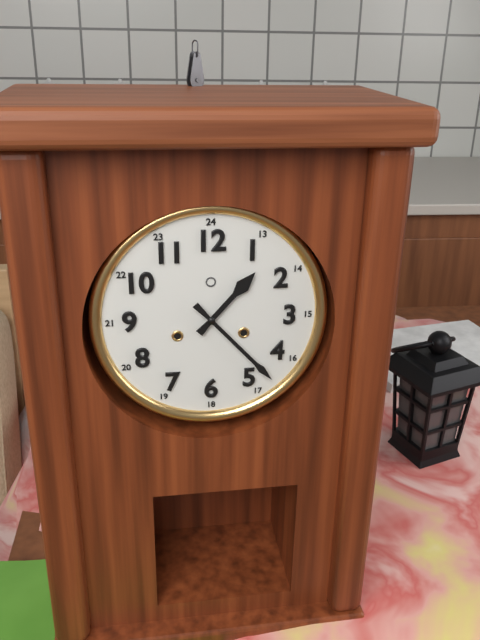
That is 1h23
